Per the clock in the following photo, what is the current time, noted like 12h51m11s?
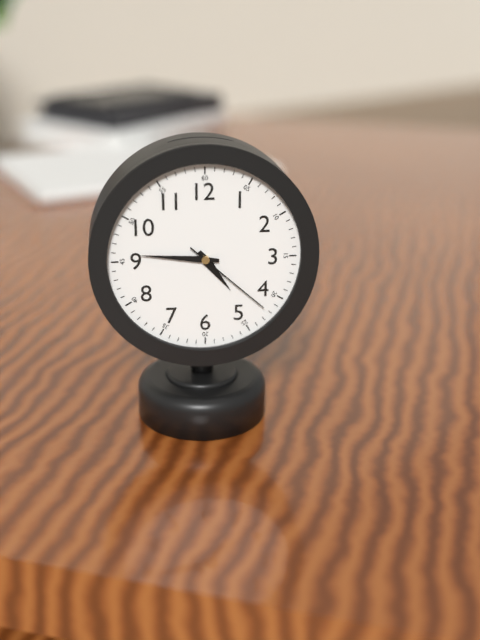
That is 4h46m22s
